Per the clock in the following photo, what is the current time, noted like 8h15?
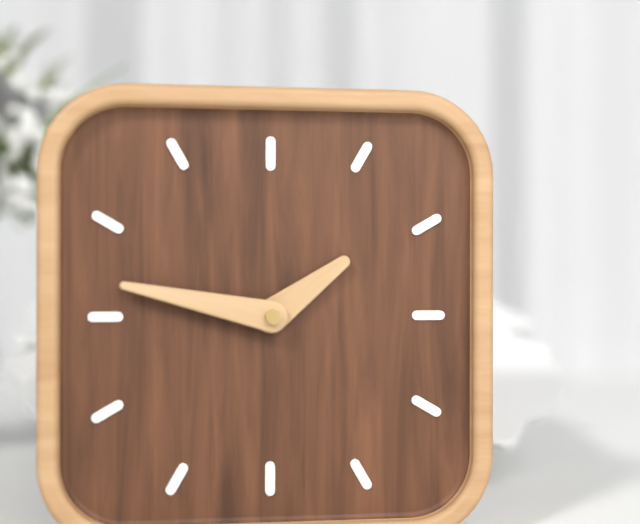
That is 1h47
